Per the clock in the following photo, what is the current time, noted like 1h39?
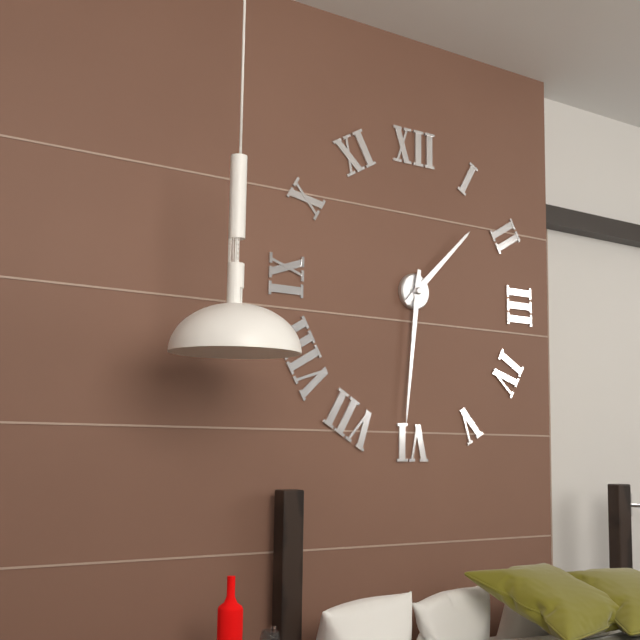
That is 1h31
